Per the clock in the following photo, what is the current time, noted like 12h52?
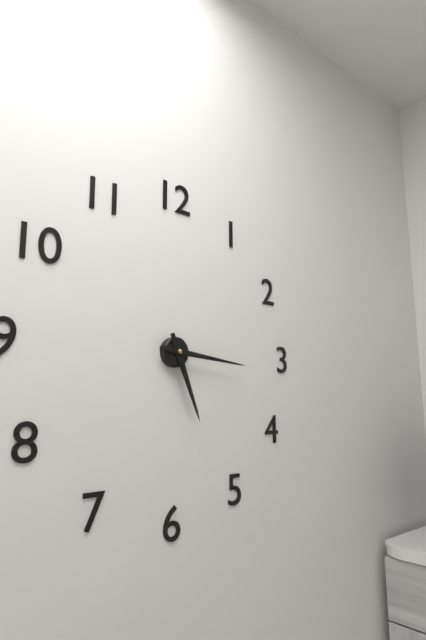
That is 5h16
